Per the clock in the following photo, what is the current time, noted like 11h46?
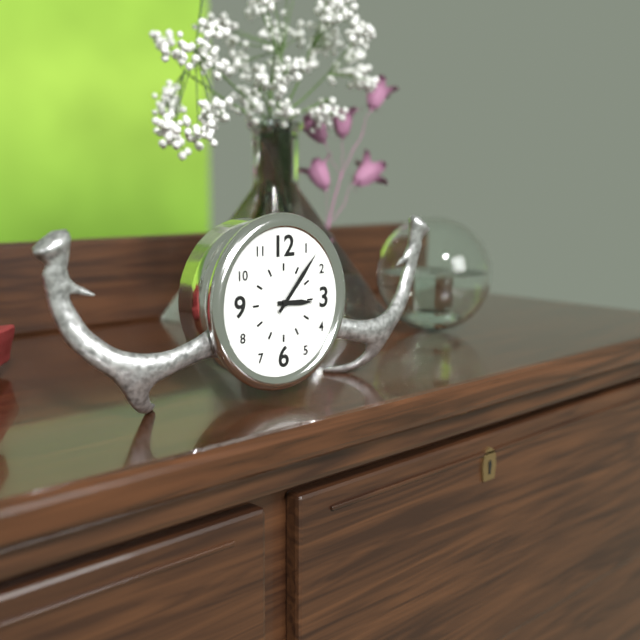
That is 3h07
